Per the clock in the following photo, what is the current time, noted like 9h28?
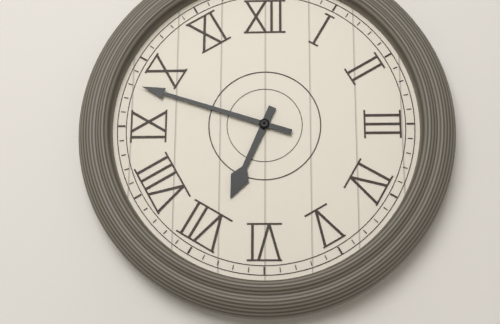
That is 6h48
